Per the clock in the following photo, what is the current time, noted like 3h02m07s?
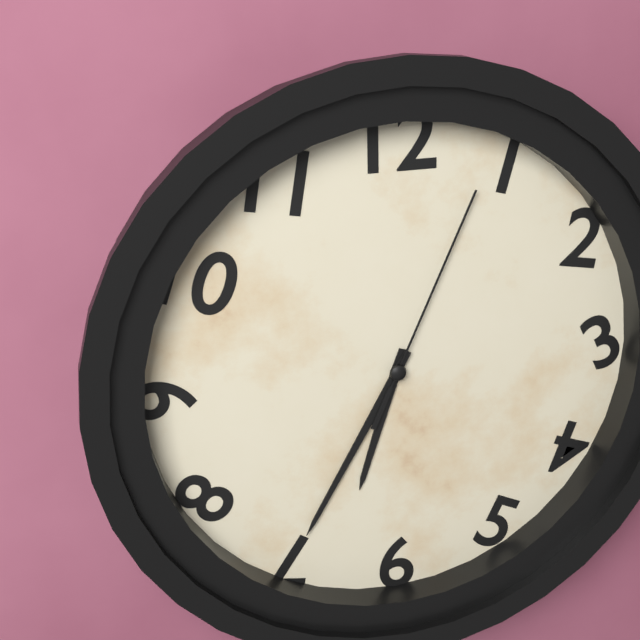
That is 6h35m04s
